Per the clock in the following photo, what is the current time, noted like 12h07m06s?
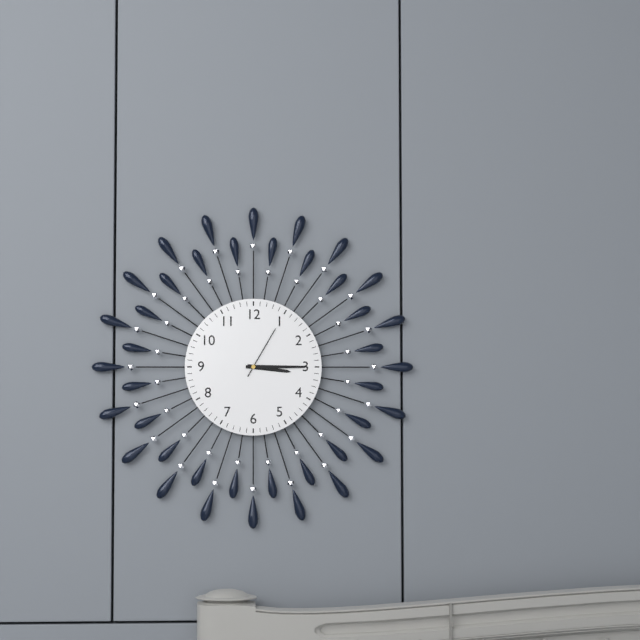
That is 3h15m05s
